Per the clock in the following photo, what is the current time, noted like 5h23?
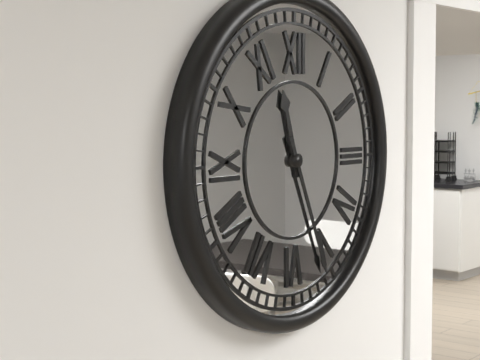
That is 11h26
